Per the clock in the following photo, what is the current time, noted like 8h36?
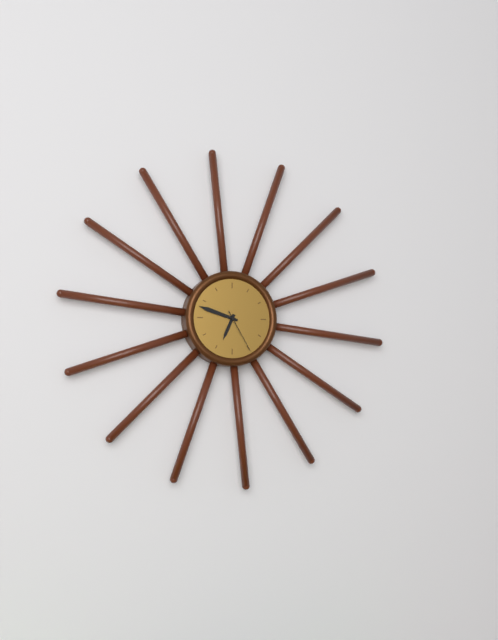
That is 6h48
